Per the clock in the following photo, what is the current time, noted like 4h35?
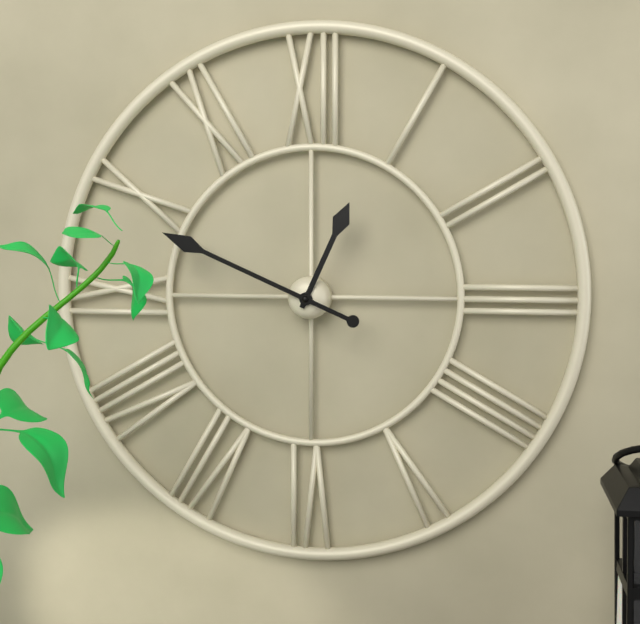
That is 12h49
